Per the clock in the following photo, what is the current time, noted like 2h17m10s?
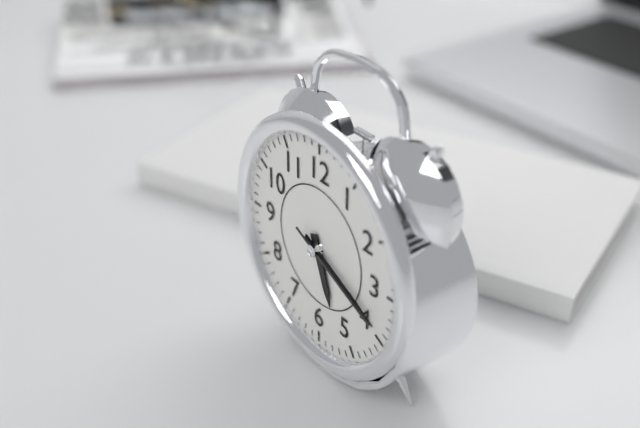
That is 5h19m19s
